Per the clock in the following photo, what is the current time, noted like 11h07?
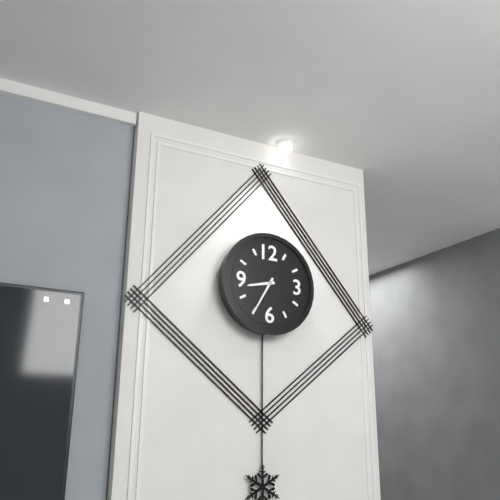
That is 8h35
